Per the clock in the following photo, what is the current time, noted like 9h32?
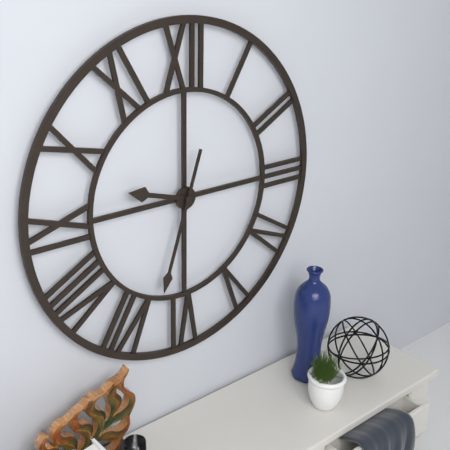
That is 9h33
